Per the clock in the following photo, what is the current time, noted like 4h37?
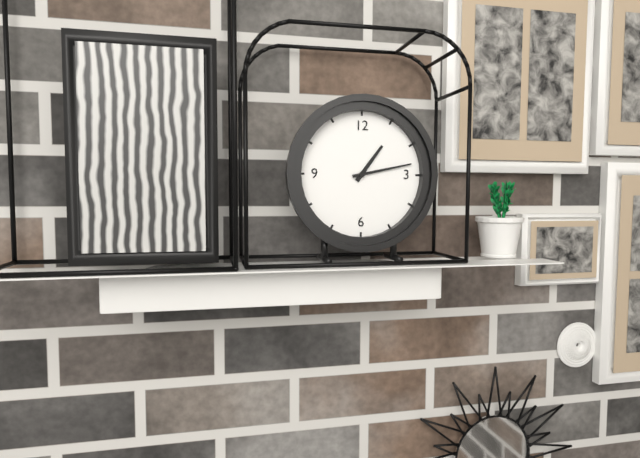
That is 1h13
